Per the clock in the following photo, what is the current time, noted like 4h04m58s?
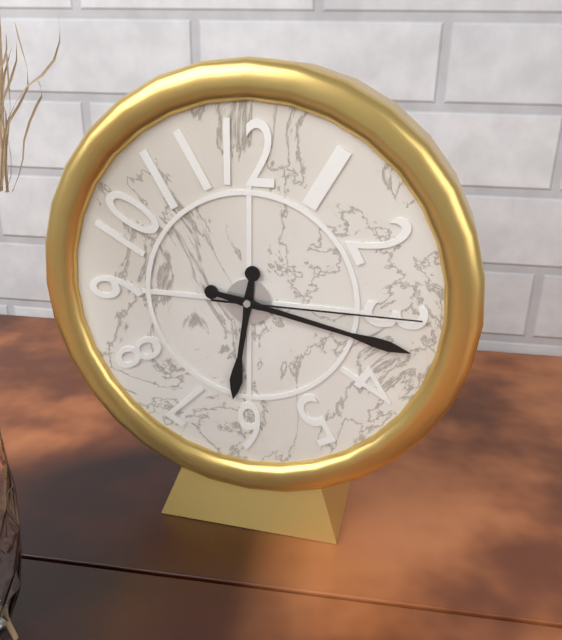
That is 6h17m15s
